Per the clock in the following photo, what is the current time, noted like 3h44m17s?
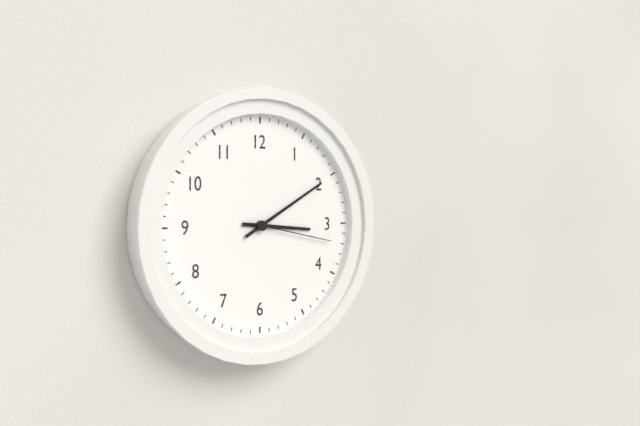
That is 3h10m17s
